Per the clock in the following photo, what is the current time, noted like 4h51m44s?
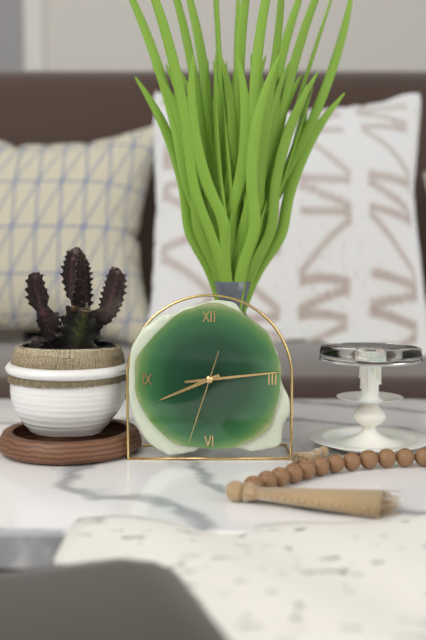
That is 8h14m33s
